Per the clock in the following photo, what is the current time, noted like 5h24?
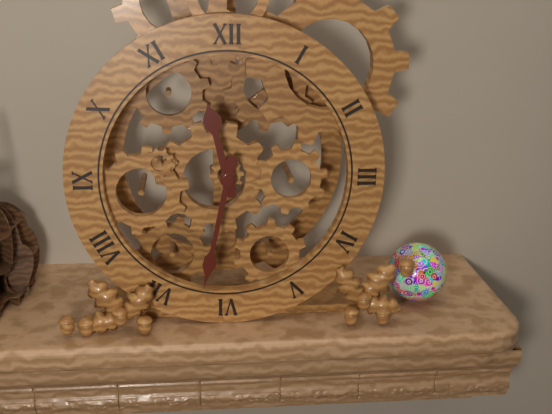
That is 11h32
